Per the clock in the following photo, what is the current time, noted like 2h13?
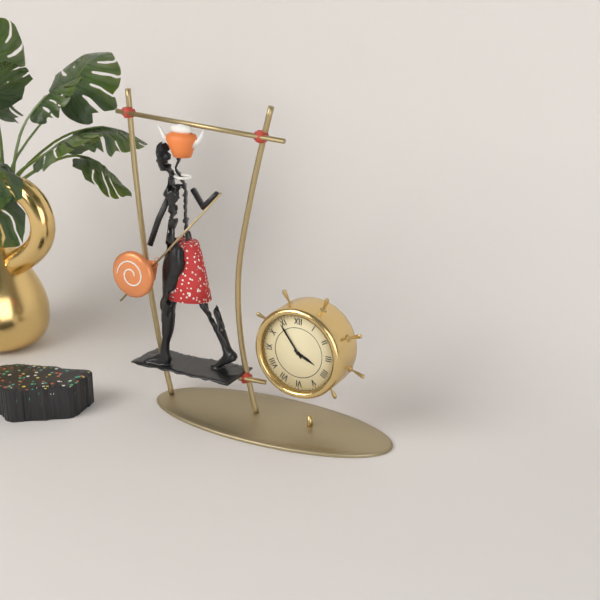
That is 3h54
